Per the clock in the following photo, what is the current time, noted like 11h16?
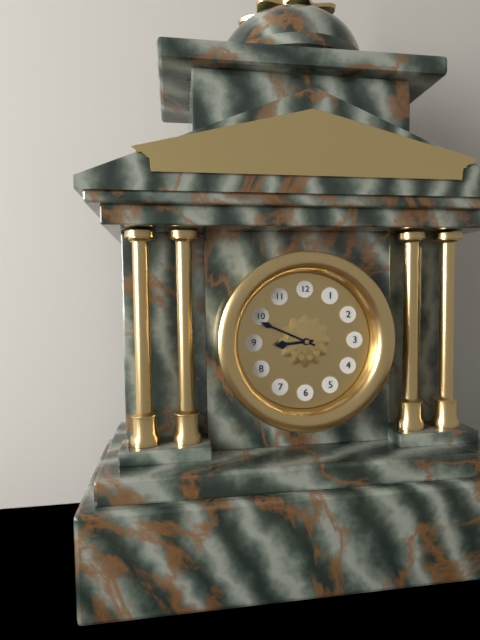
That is 8h49
